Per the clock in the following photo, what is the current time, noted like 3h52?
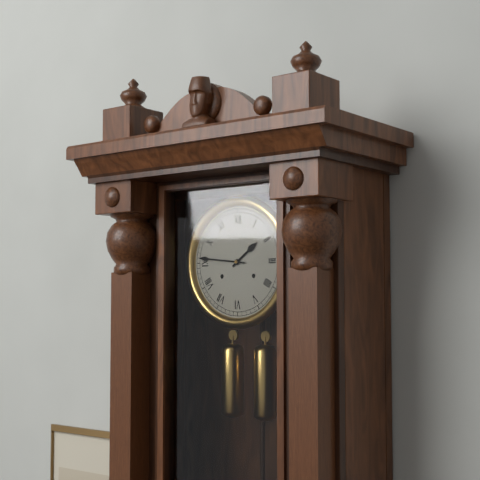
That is 1h46
